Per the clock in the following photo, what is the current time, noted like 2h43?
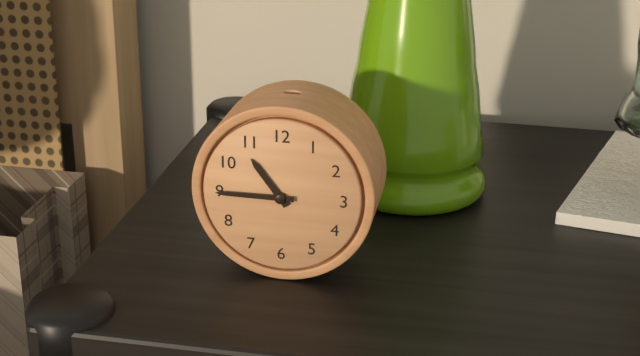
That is 10h45
